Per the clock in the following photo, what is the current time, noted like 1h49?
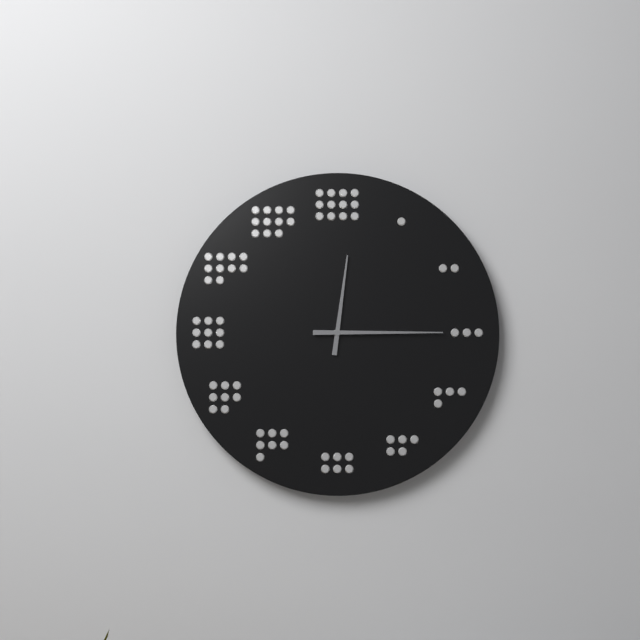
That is 12h15
